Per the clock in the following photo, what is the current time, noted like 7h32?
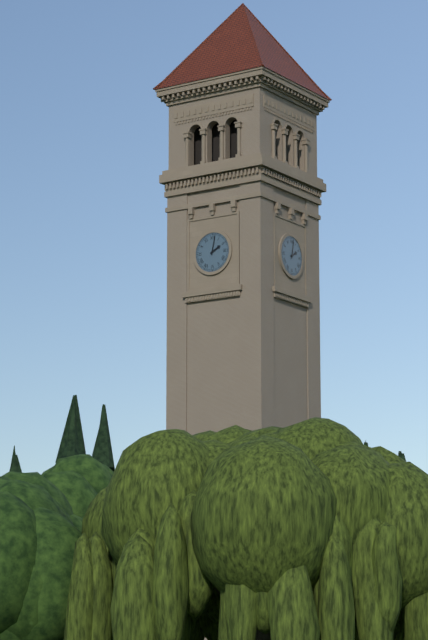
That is 2h02
